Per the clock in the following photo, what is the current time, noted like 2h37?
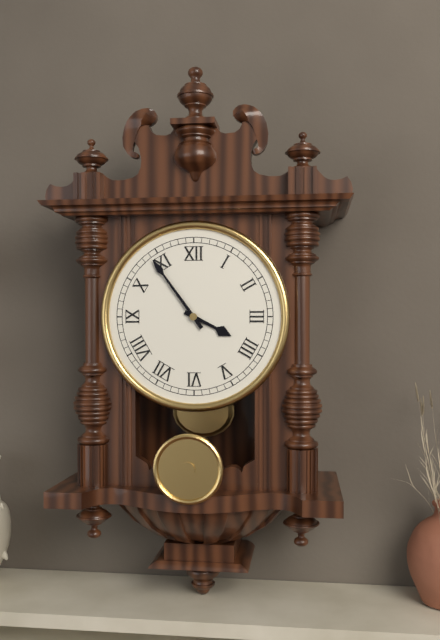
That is 3h54
